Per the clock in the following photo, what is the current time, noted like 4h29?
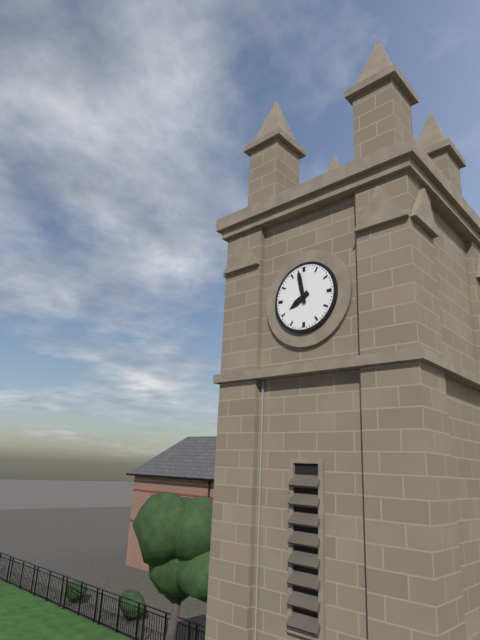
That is 7h58
